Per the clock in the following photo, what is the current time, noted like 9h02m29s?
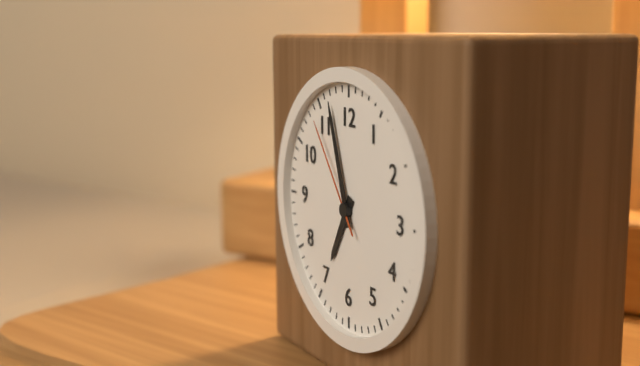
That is 6h57m54s
